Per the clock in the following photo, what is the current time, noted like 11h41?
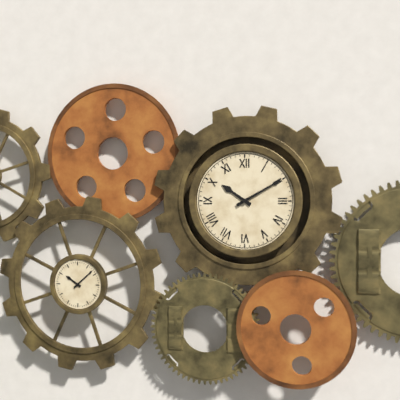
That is 10h10
